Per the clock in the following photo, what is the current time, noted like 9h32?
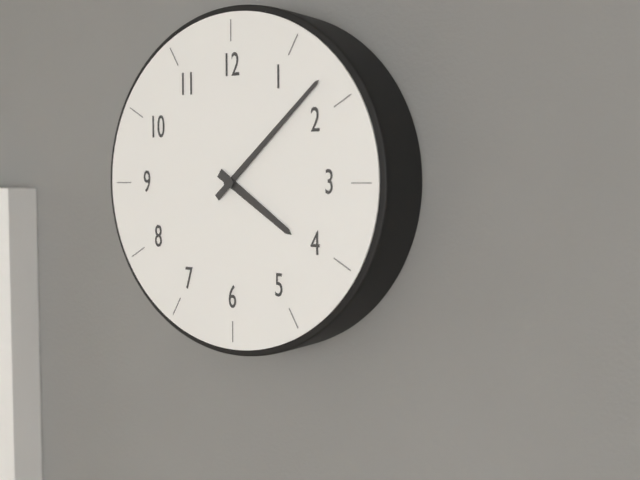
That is 4h08
